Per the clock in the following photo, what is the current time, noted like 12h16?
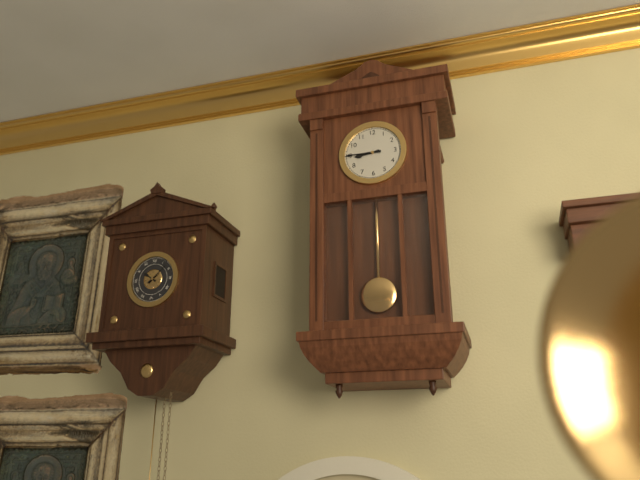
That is 8h45
